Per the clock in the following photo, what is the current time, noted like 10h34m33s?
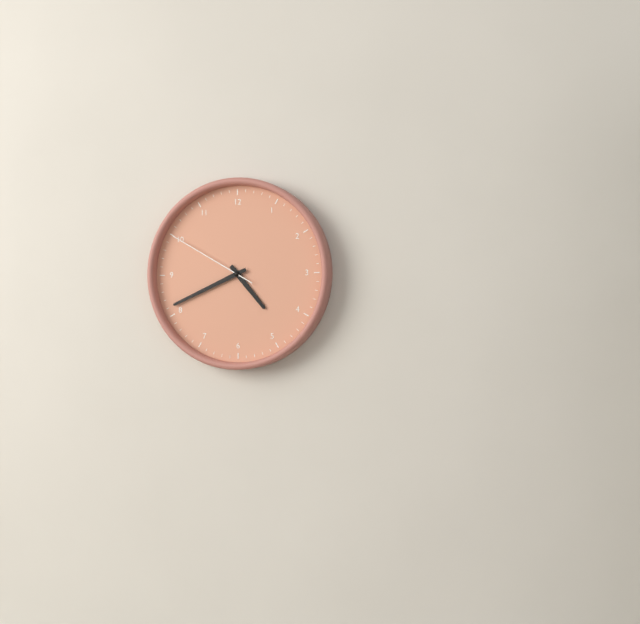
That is 4h41m50s
